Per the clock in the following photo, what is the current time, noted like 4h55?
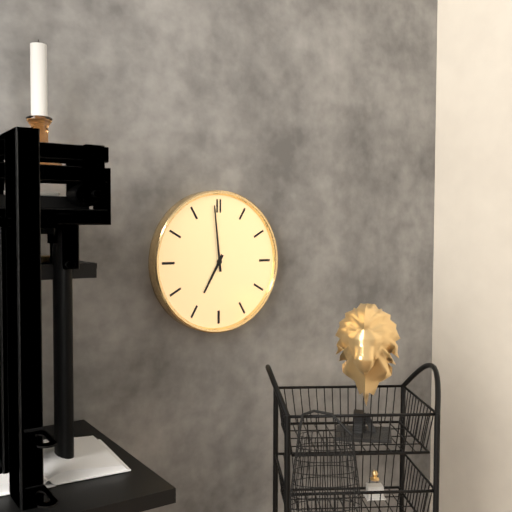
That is 6h59
